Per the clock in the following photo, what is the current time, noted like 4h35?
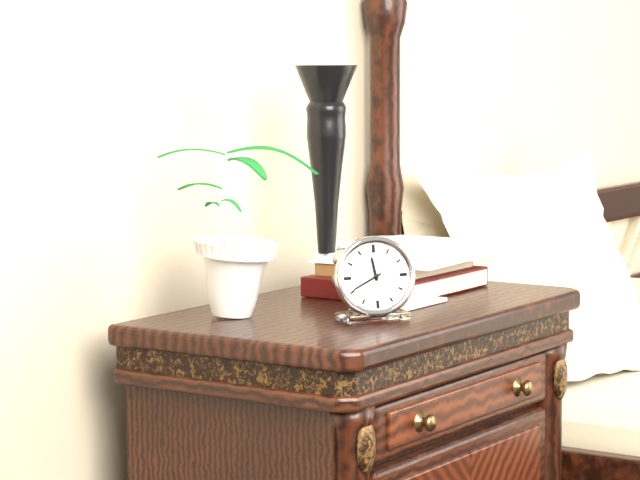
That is 11h41
